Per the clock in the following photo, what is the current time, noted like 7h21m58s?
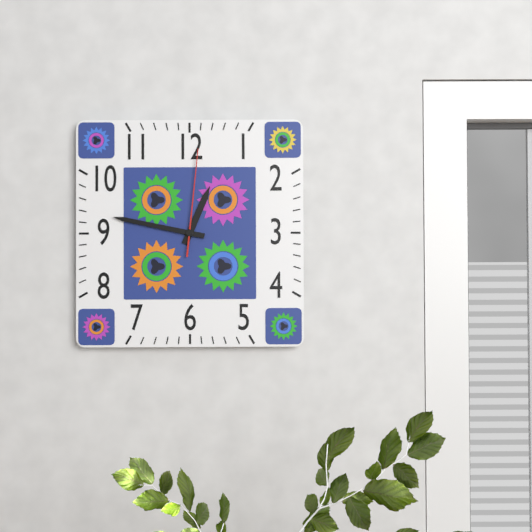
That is 12h47m01s
